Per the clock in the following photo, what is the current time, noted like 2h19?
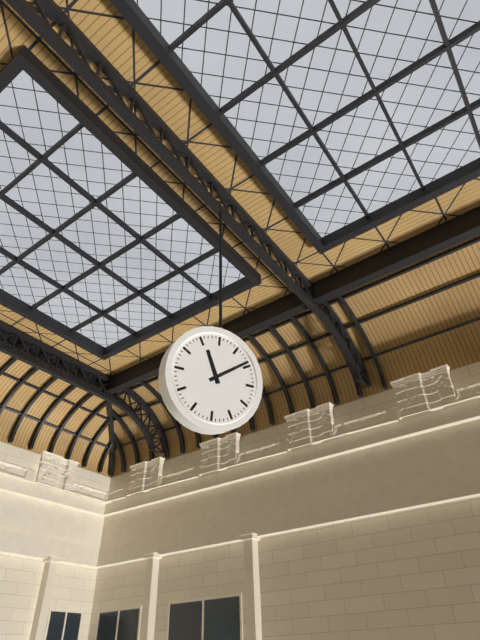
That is 11h09
